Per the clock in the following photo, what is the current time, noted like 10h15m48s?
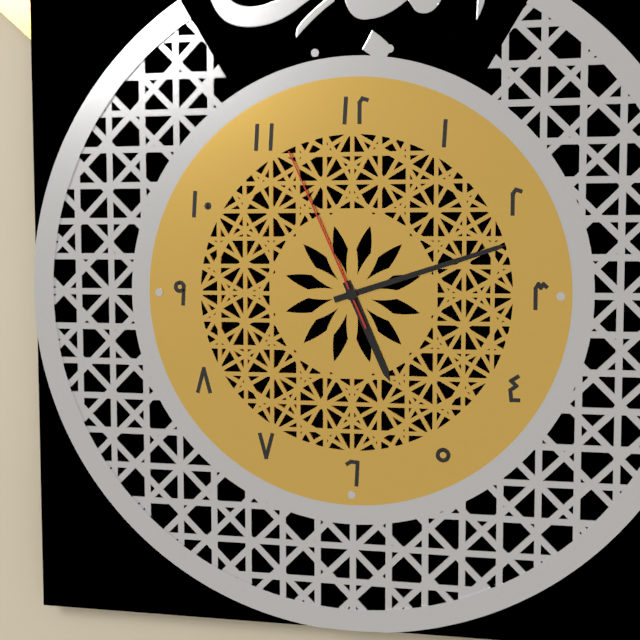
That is 5h12m56s
